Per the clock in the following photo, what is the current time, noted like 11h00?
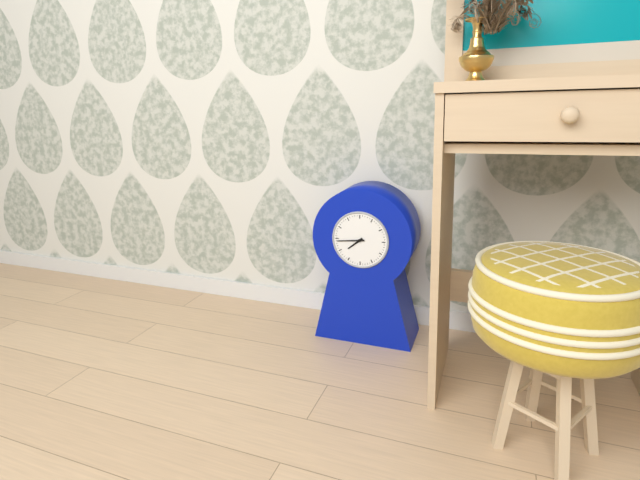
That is 7h44
